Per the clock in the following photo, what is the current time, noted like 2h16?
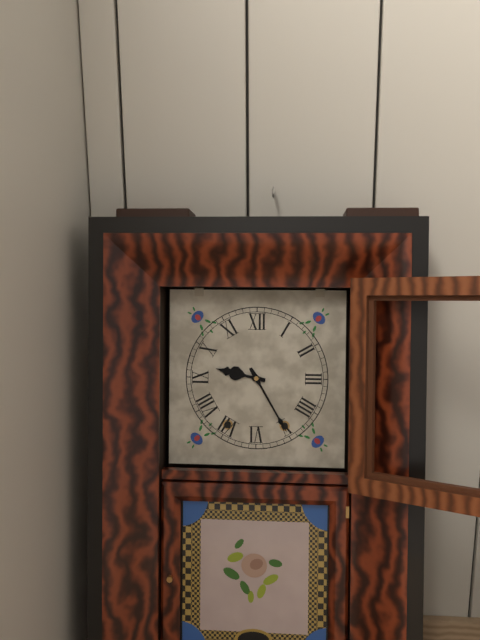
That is 9h25
